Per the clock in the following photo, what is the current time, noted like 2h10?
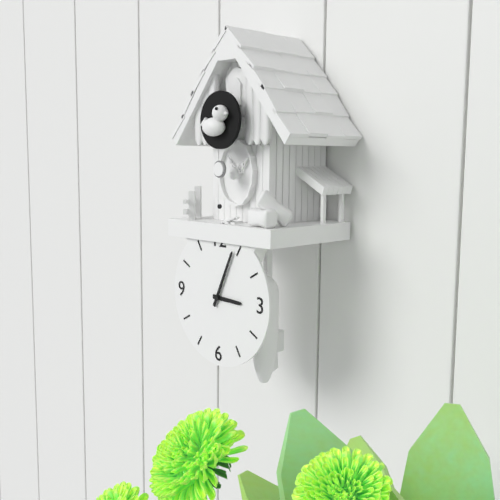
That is 3h04
